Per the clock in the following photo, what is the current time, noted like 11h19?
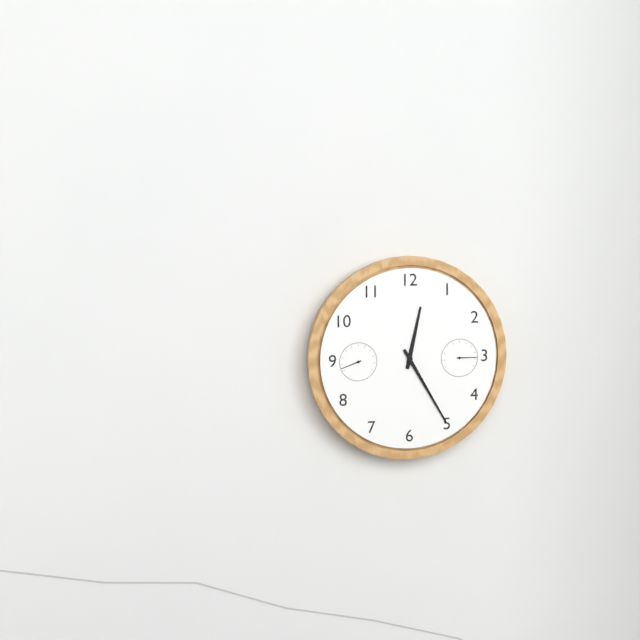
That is 12h25
